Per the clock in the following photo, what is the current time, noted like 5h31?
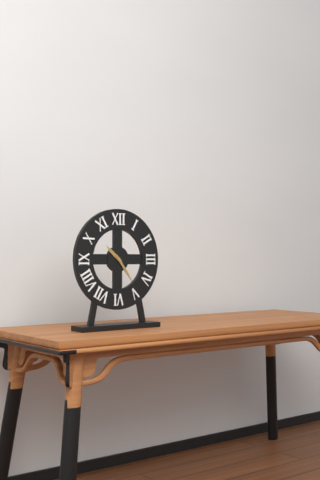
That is 10h24
